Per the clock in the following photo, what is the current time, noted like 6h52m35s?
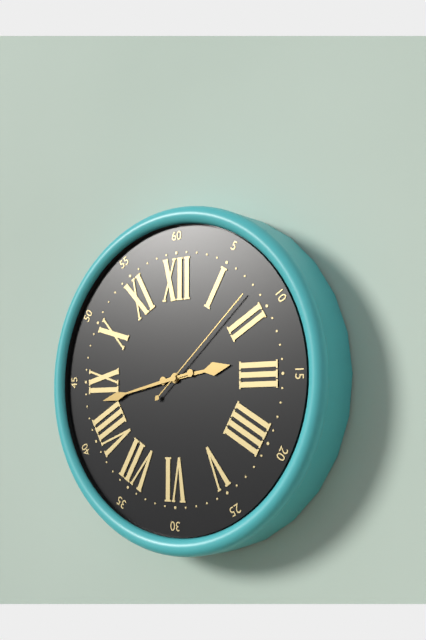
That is 2h43m08s
